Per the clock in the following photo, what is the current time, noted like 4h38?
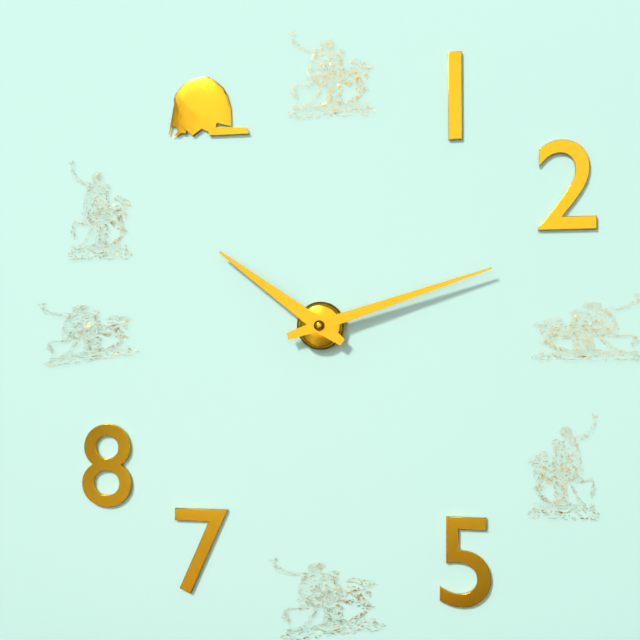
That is 10h12
